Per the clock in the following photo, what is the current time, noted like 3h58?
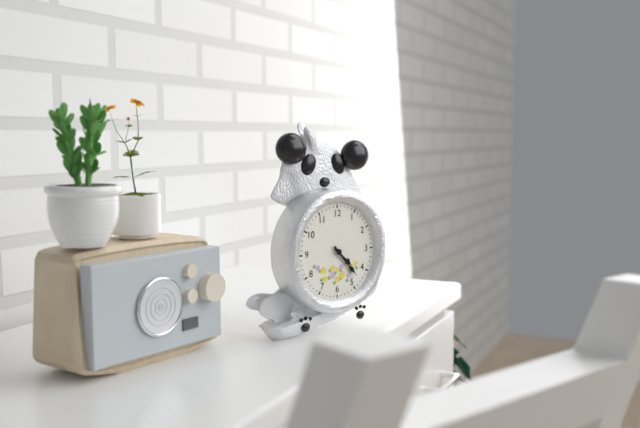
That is 4h23
